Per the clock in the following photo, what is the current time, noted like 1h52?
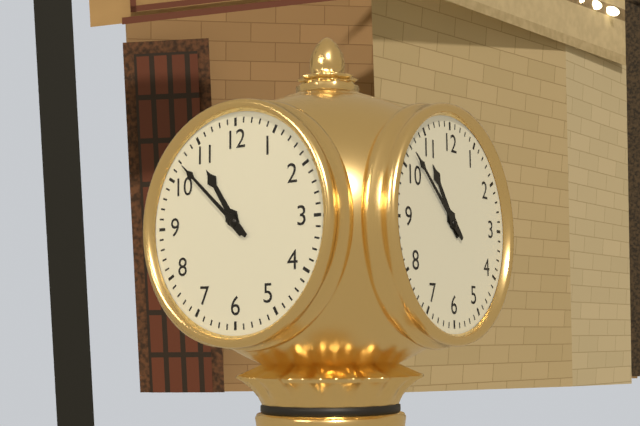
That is 10h52
